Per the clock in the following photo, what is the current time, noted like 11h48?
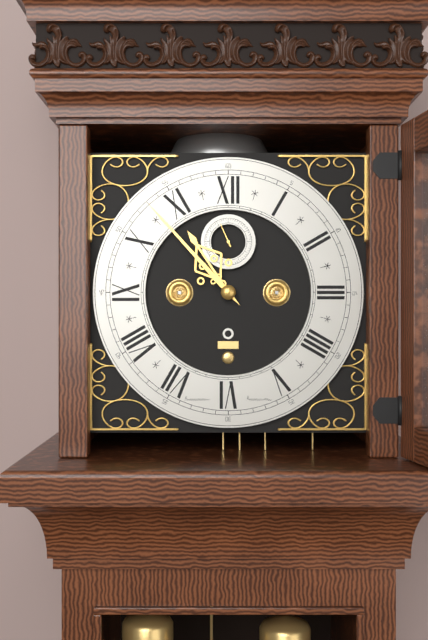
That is 10h53
